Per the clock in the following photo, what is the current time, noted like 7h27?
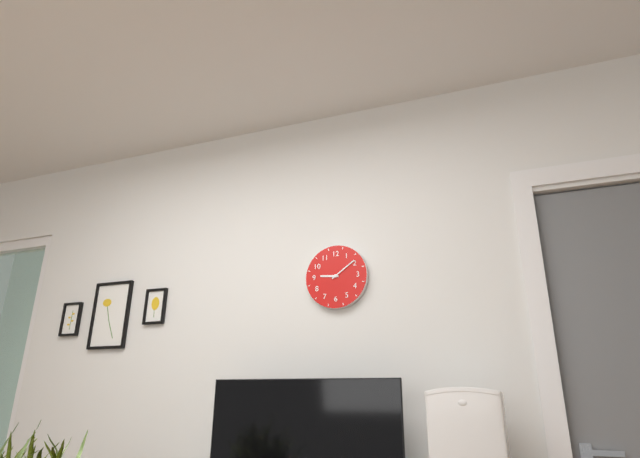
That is 9h09
